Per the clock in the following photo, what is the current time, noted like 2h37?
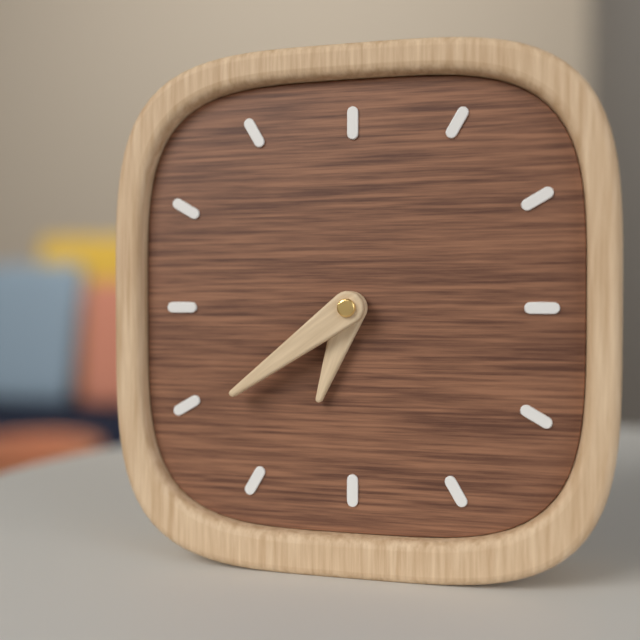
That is 6h39
